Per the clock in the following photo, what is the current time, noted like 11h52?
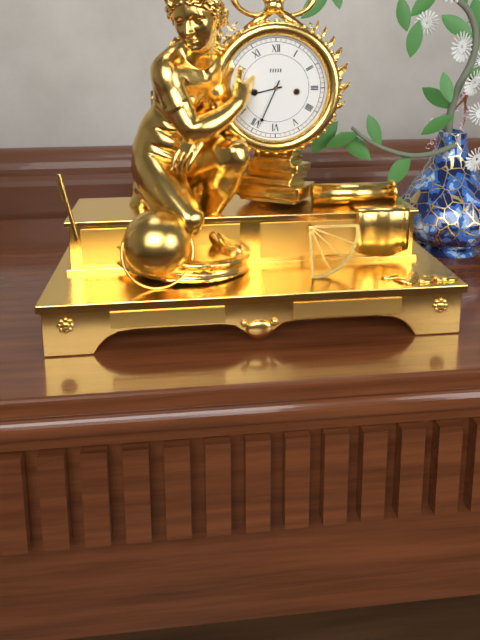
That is 8h34
